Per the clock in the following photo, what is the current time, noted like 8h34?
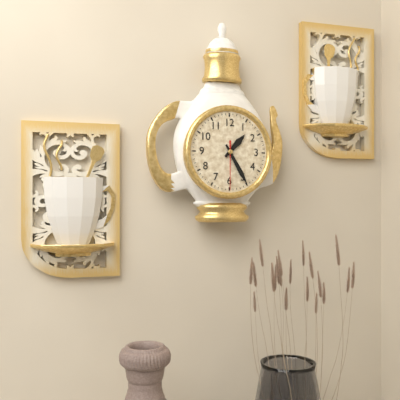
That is 1h25
